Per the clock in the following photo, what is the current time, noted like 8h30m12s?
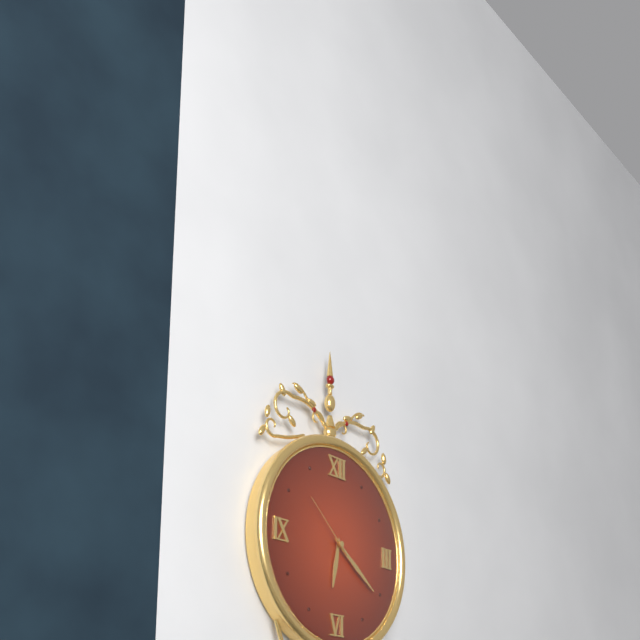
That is 6h21m52s
